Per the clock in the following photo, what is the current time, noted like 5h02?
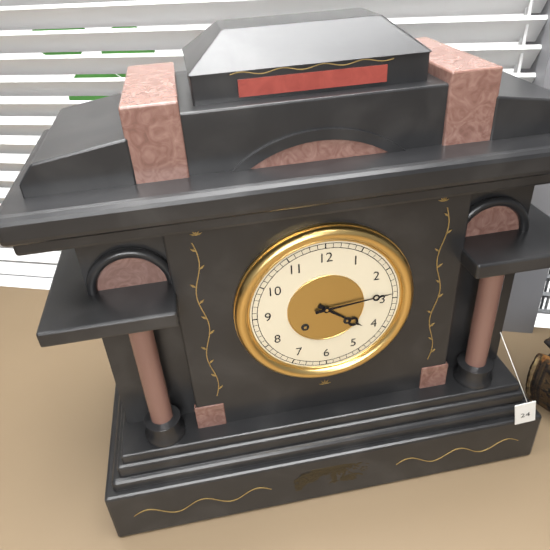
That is 4h14
